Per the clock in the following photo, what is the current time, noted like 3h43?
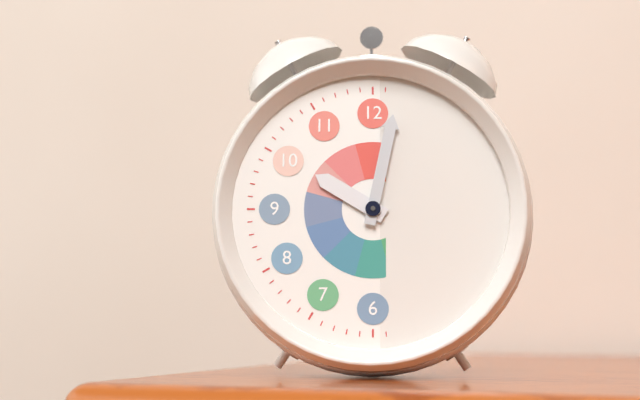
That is 10h02
